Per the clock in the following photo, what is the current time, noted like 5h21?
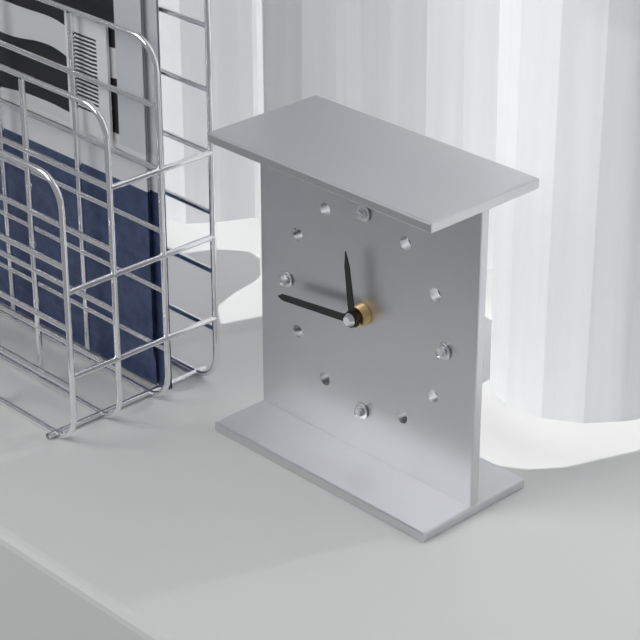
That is 11h44
